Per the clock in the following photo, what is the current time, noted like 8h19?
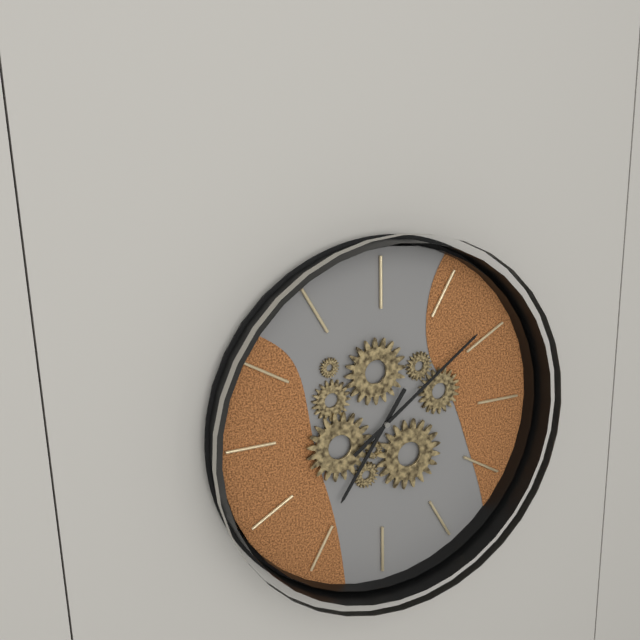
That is 7h09
